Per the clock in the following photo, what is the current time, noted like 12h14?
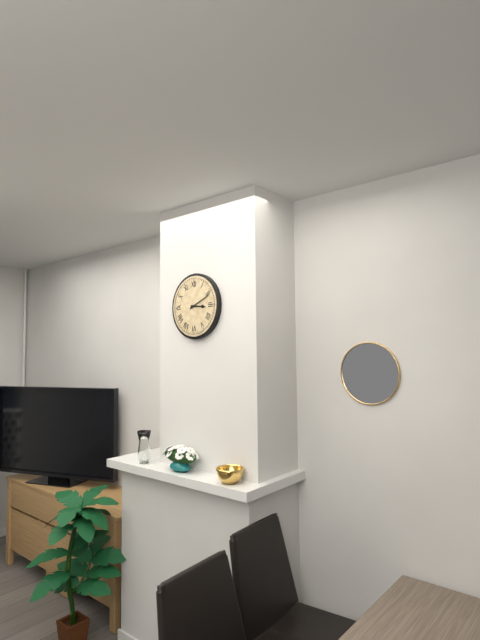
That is 3h11
